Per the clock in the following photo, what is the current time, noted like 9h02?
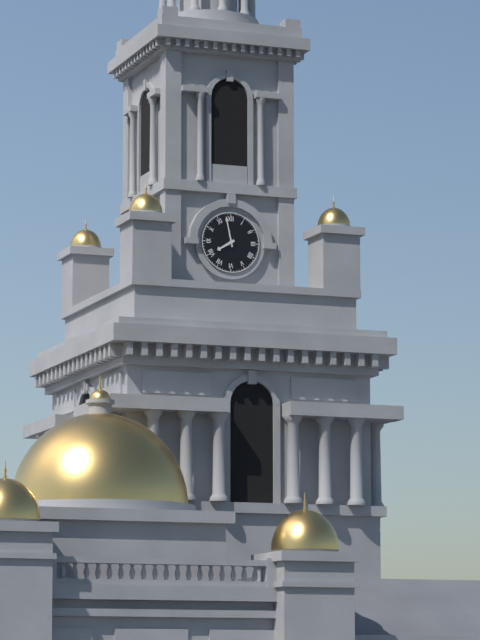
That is 7h58
